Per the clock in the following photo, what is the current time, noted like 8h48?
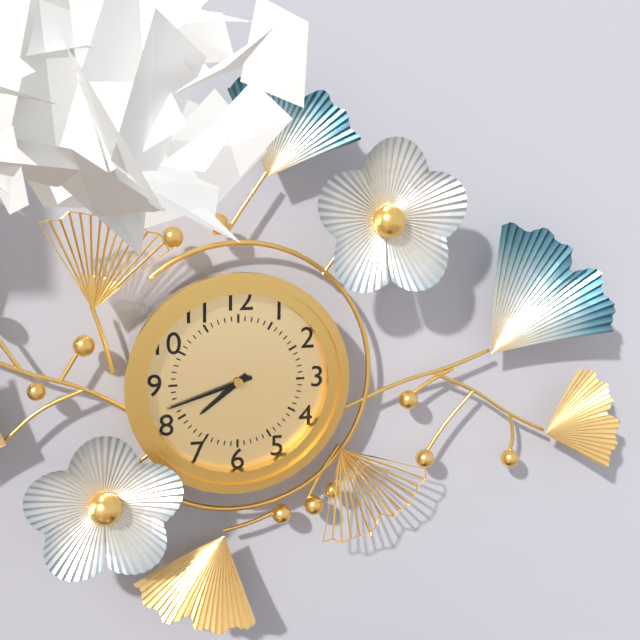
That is 7h42
